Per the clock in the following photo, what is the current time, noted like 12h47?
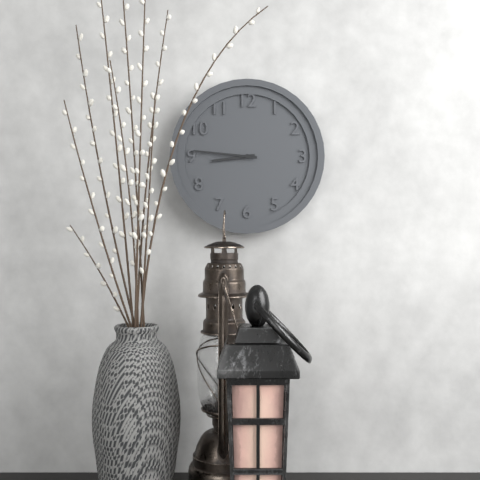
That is 8h46
